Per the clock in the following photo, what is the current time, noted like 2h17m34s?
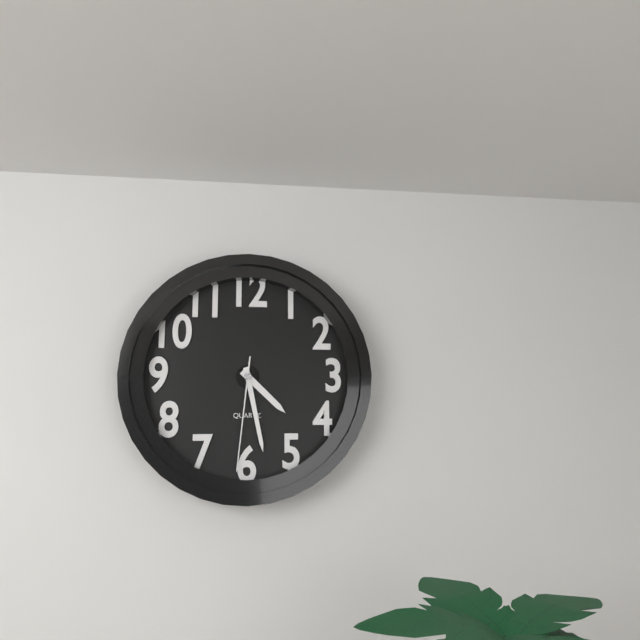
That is 4h28m31s
